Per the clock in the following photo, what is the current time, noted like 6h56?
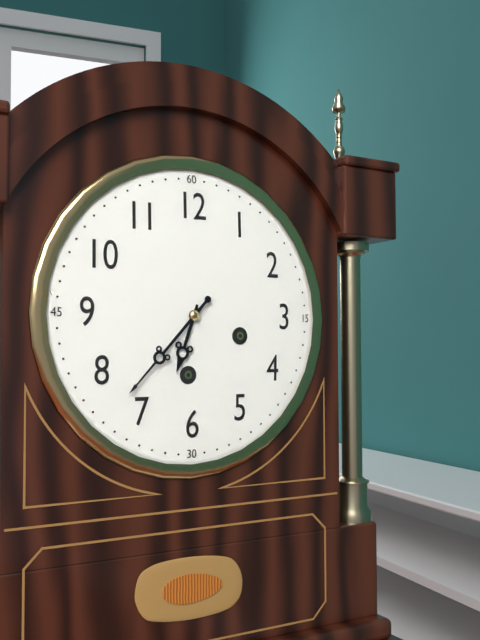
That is 6h37
